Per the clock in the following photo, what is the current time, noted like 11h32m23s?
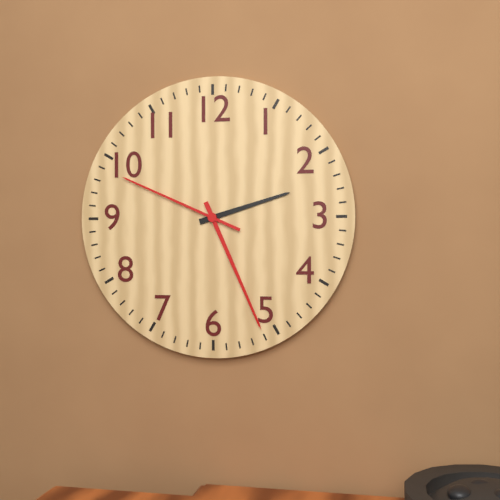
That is 2h26m49s
